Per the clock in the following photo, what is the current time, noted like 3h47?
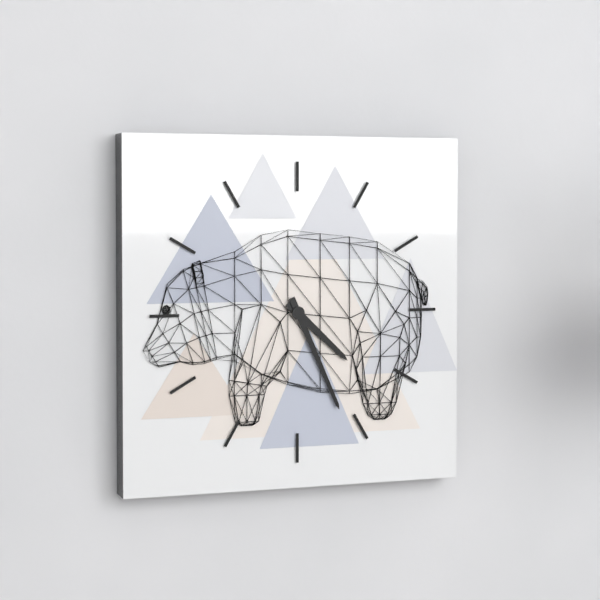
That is 4h26
